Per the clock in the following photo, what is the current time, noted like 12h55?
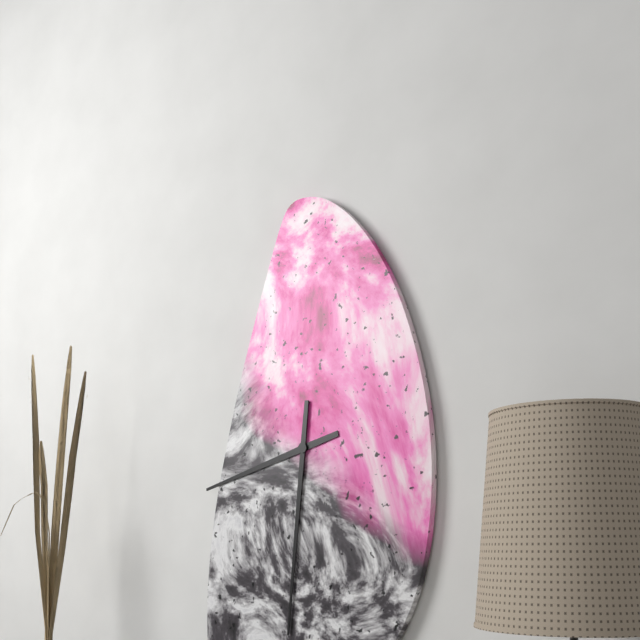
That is 8h31
